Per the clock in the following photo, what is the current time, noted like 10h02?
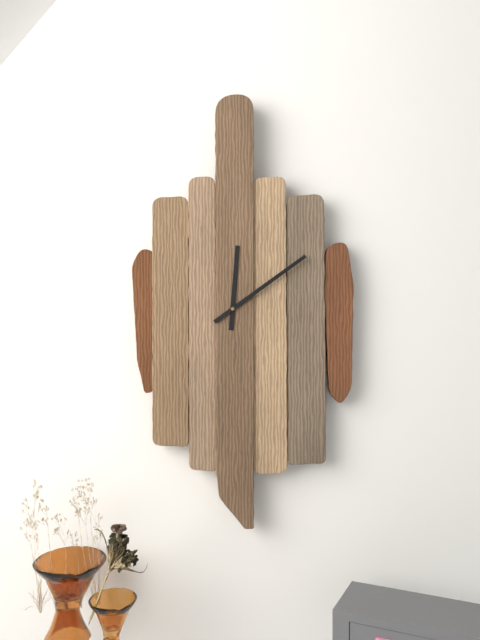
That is 12h09
